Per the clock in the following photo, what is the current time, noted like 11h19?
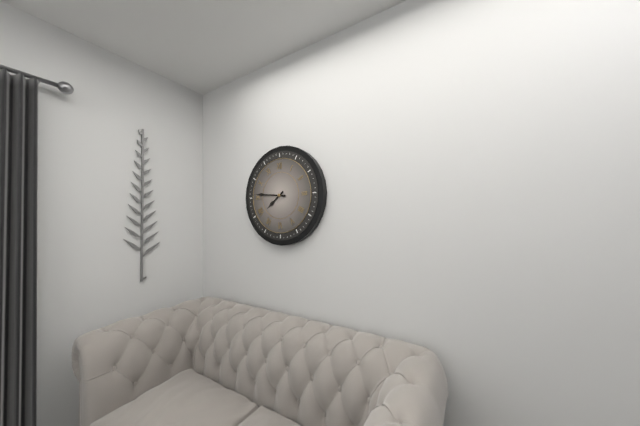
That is 7h46
